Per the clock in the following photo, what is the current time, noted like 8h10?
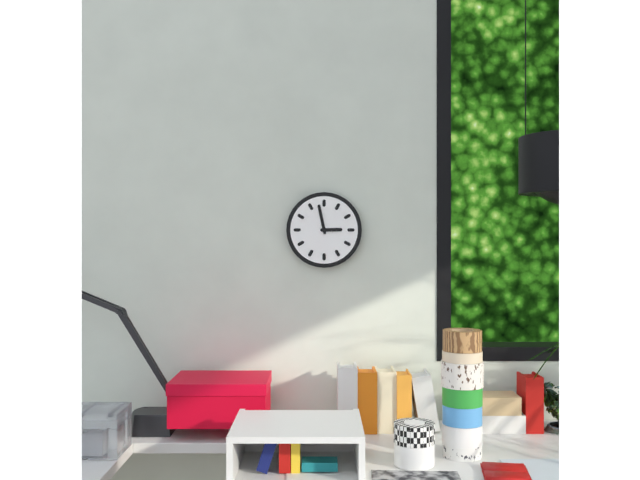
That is 2h58
